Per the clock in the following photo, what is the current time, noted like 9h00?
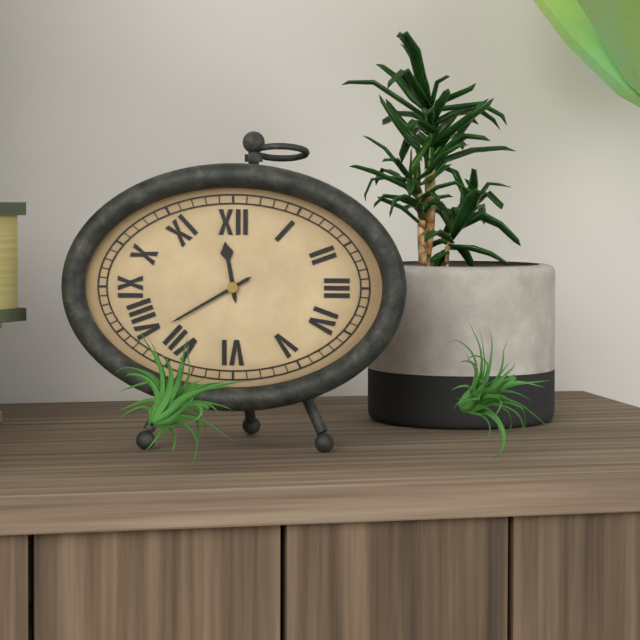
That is 11h40
